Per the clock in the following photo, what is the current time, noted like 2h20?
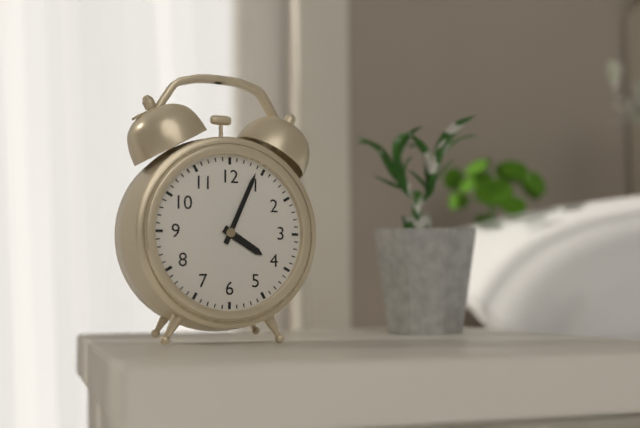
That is 4h04
